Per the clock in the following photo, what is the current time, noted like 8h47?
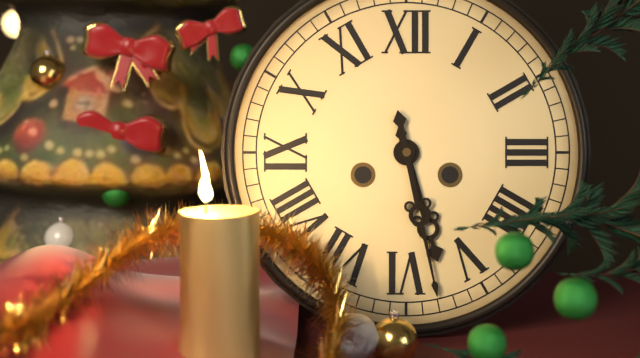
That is 5h28
